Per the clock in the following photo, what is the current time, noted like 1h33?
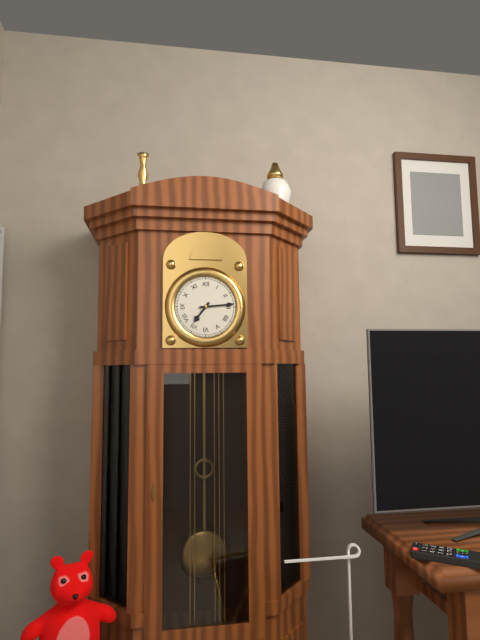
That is 7h14
